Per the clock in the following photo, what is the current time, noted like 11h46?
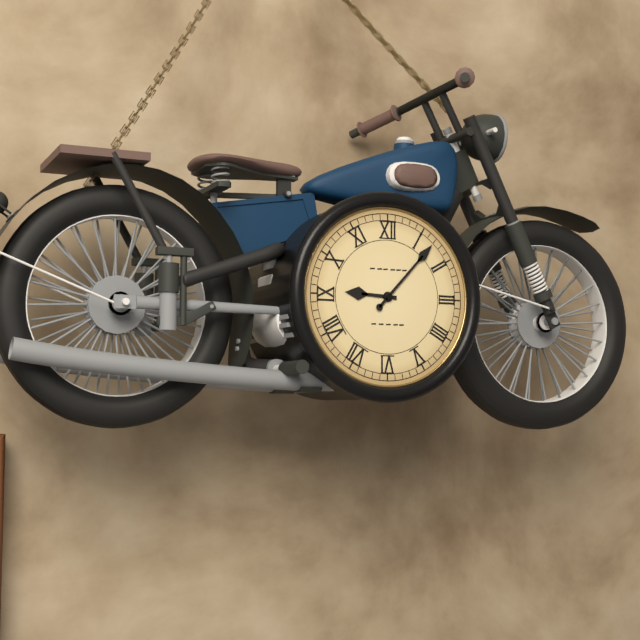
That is 9h07
